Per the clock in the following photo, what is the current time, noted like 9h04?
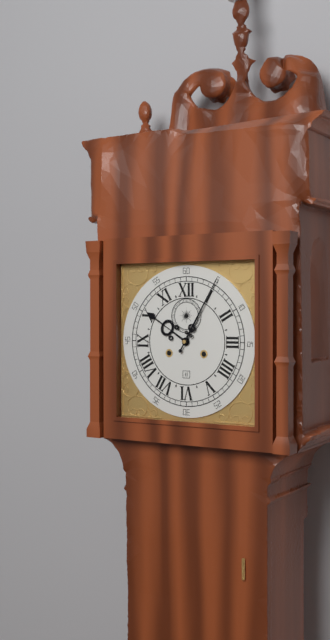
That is 10h05
